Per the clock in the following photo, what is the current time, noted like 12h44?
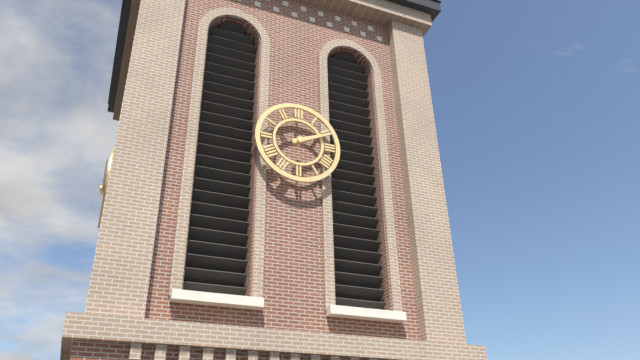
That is 2h11
